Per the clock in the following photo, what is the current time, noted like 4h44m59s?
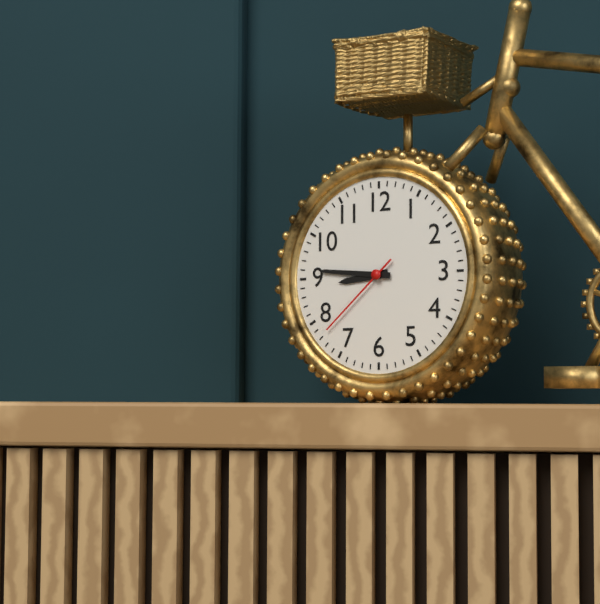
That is 8h46m38s
